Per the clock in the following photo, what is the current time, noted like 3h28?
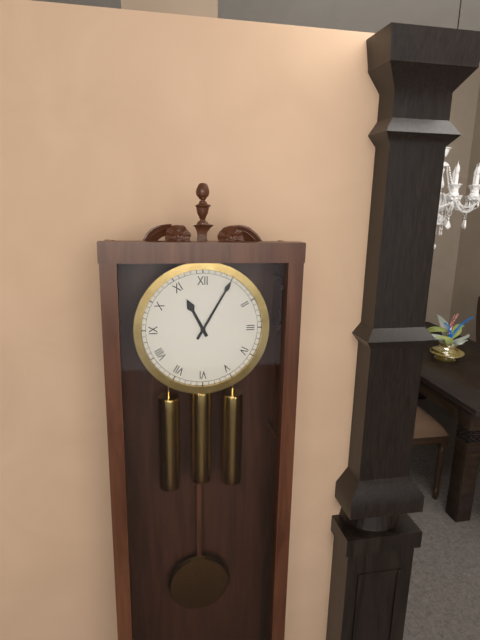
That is 11h05
